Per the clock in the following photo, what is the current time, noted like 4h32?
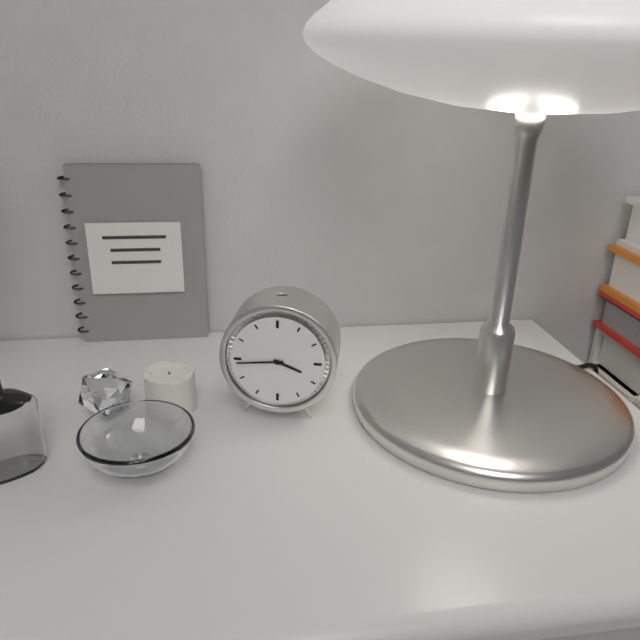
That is 3h44
